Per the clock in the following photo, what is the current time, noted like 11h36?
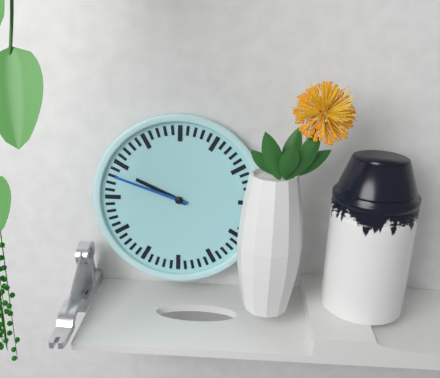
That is 9h48
